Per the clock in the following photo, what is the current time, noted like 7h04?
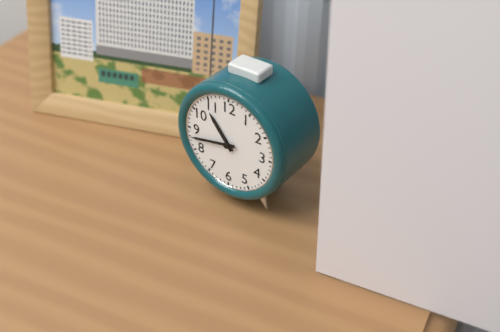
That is 10h43
